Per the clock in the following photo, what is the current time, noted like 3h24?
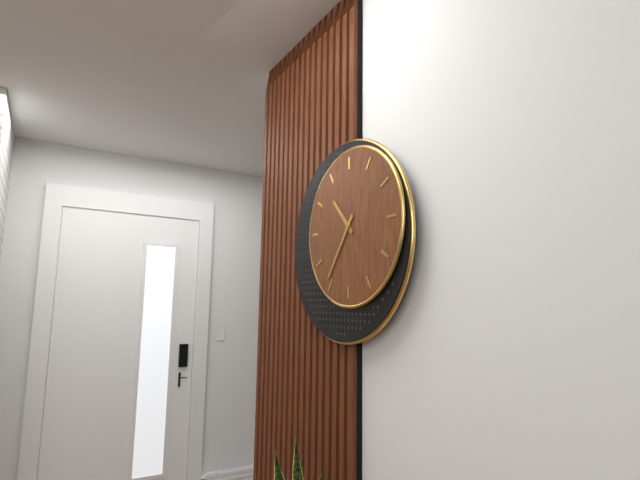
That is 10h36
